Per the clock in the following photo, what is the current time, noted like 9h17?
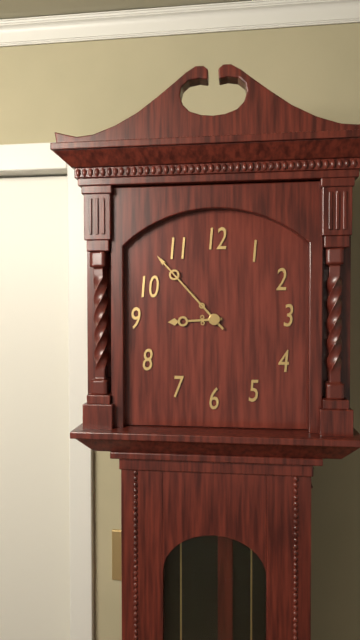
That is 8h53
